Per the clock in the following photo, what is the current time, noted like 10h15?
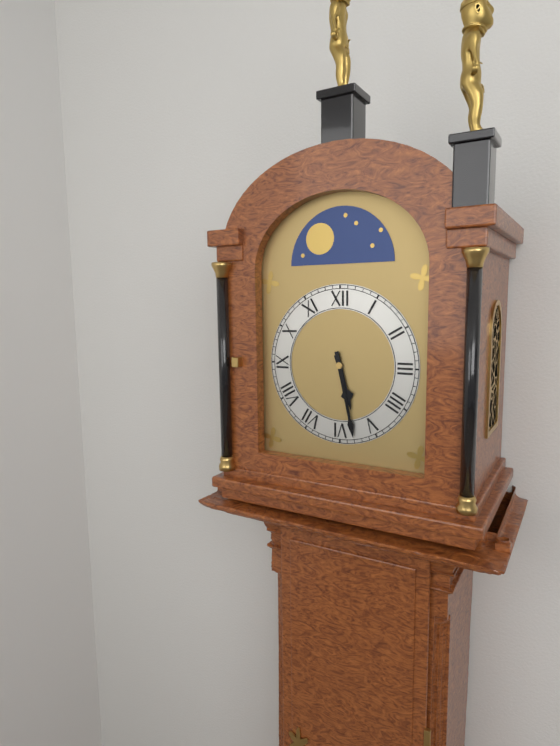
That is 5h28
